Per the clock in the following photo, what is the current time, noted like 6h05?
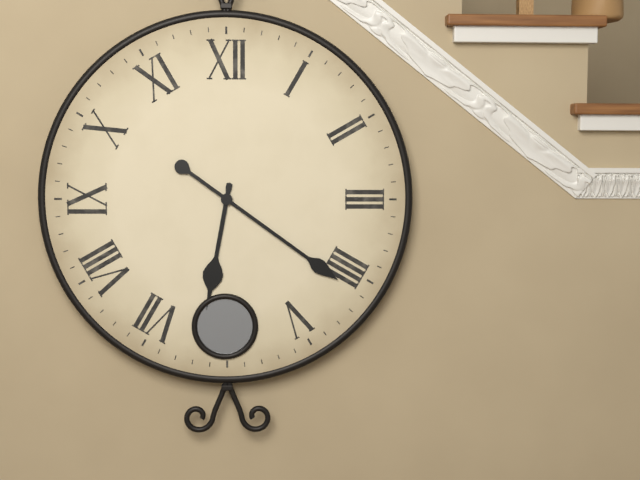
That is 6h21
